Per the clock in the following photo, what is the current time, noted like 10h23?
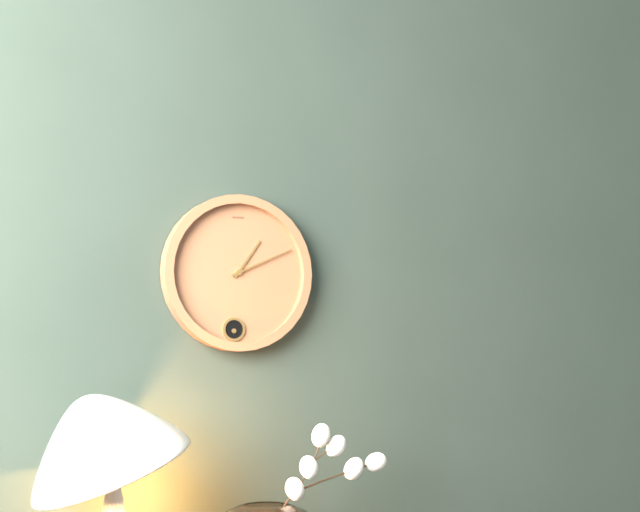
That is 1h11
